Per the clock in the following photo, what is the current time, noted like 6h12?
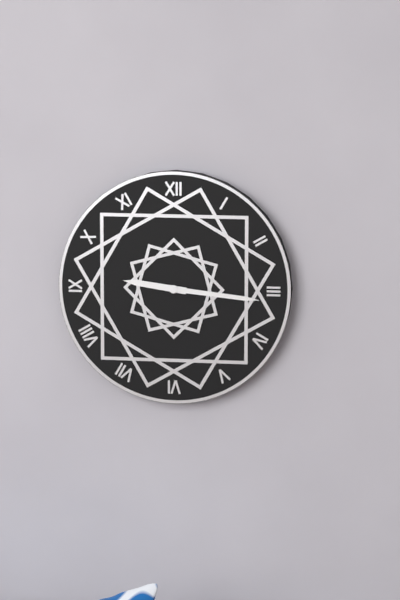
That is 9h16
